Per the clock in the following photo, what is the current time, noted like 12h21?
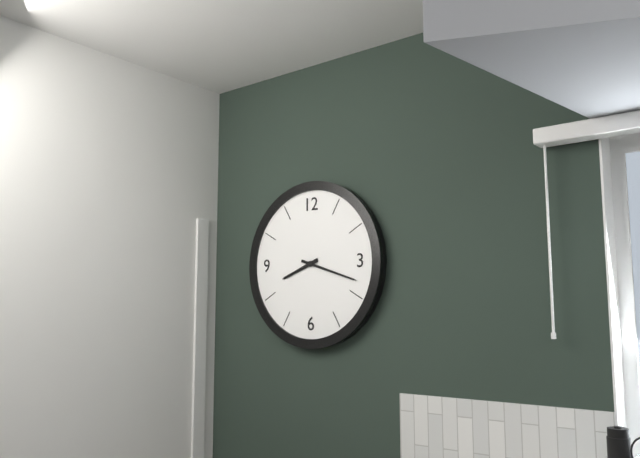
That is 8h18
